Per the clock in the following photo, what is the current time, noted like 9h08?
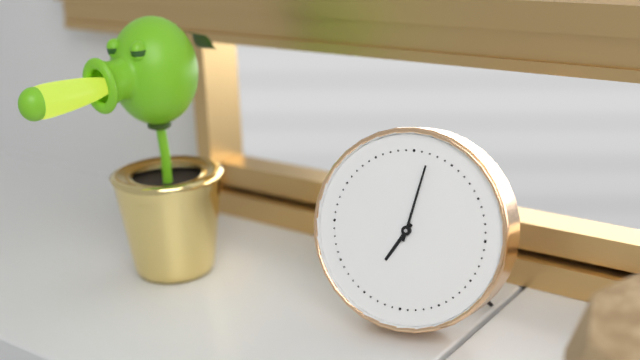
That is 7h02
